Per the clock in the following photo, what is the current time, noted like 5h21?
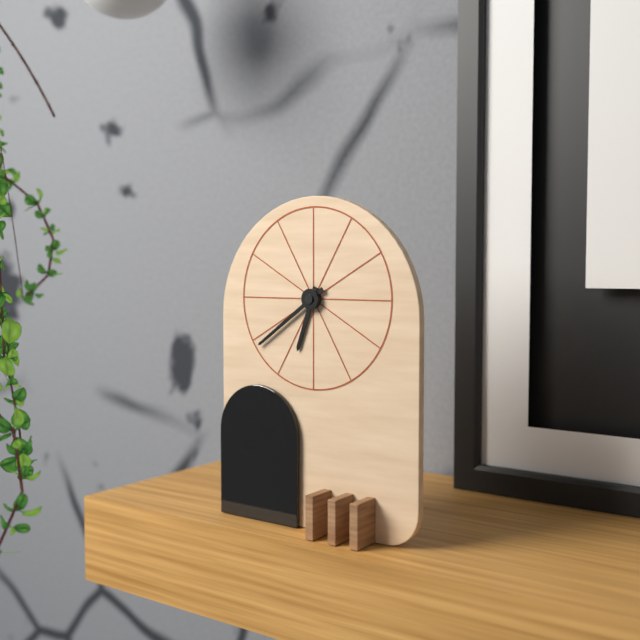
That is 6h39
